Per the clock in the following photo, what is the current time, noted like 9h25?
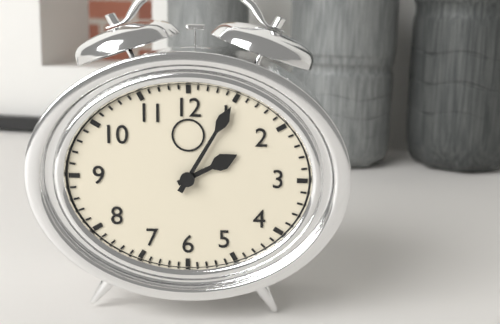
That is 2h05
